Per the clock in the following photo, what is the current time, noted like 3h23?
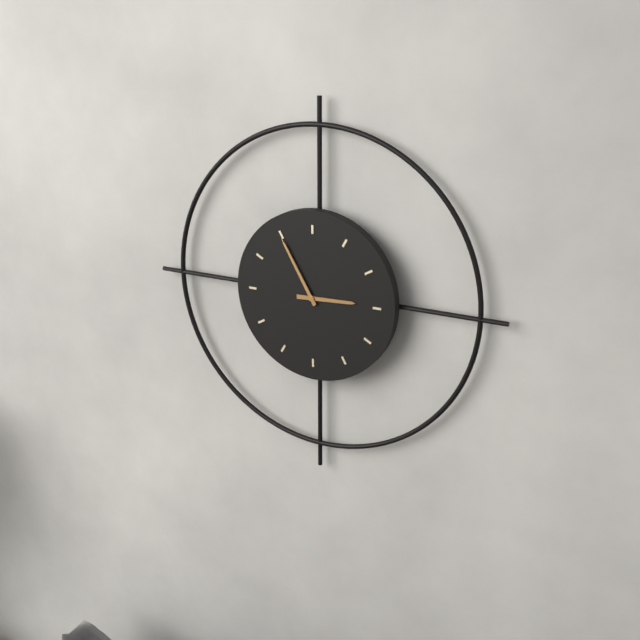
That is 2h55
